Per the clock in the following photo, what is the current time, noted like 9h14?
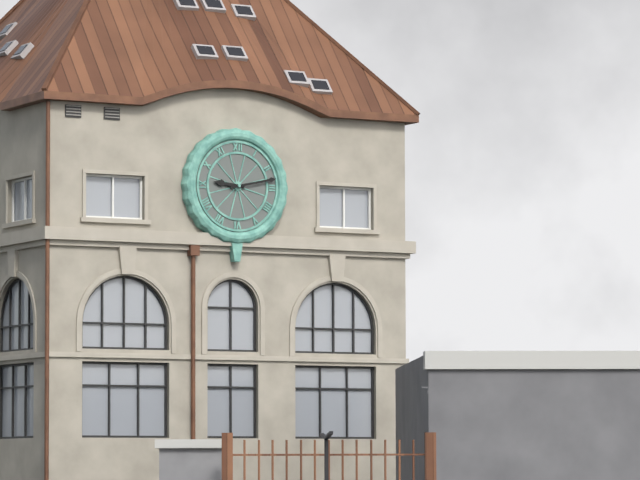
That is 9h13
